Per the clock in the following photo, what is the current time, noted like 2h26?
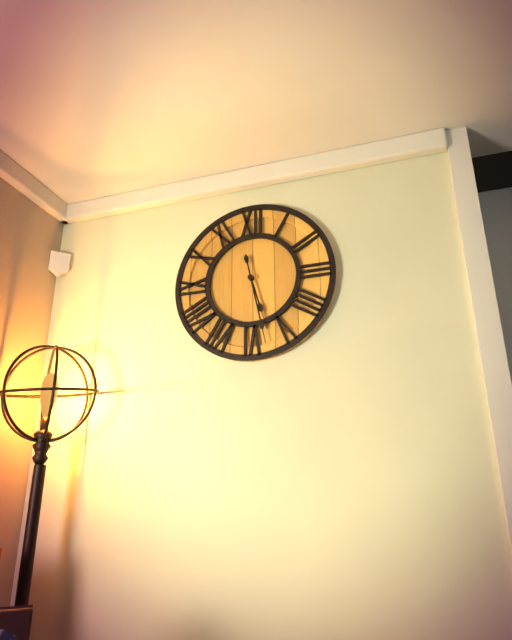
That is 5h28
